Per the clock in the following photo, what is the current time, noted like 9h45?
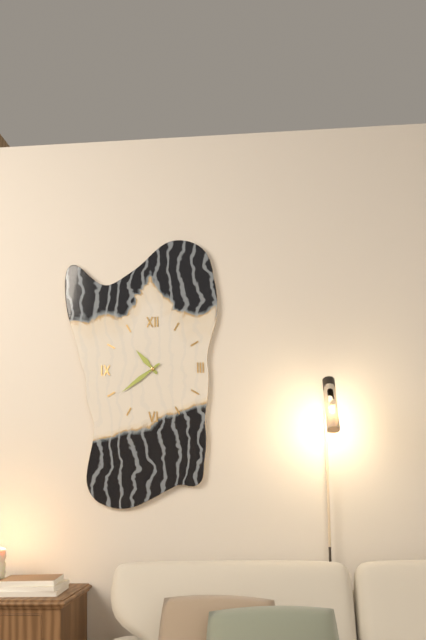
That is 10h39
